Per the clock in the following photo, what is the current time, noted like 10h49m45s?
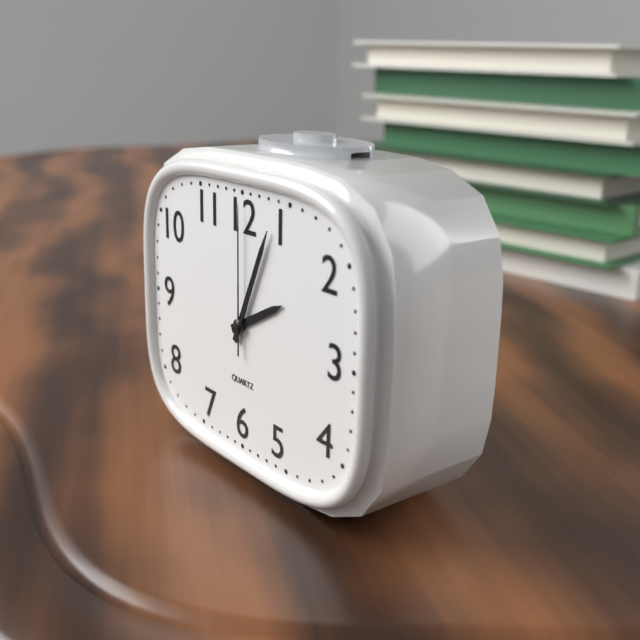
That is 2h04m00s
